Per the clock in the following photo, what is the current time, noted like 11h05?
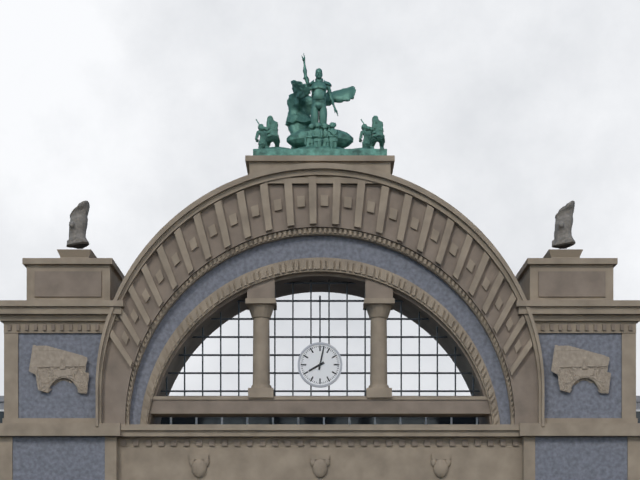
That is 8h02
